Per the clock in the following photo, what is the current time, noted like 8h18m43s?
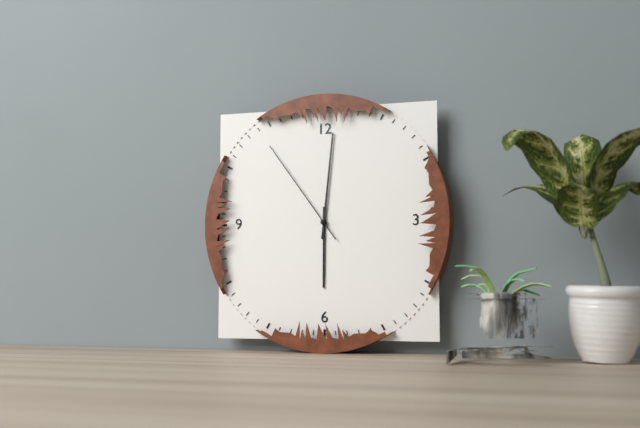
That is 6h01m54s
